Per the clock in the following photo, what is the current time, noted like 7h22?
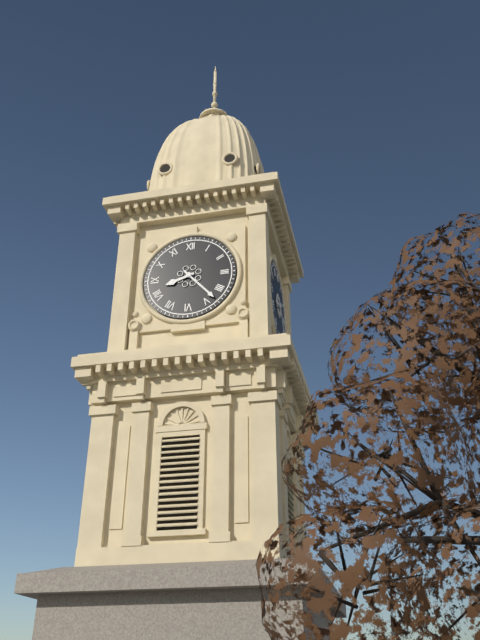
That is 8h23
